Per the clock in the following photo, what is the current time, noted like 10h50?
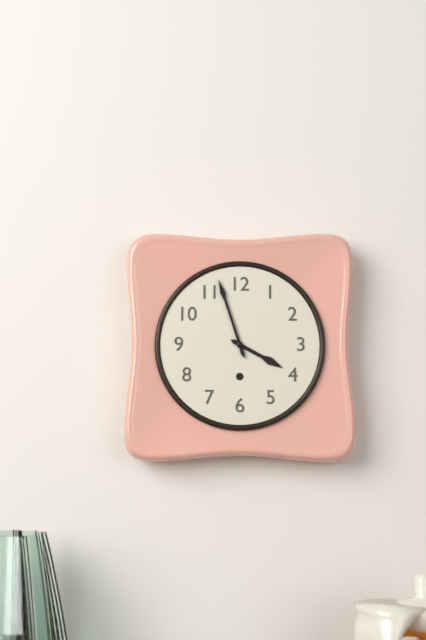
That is 3h57
